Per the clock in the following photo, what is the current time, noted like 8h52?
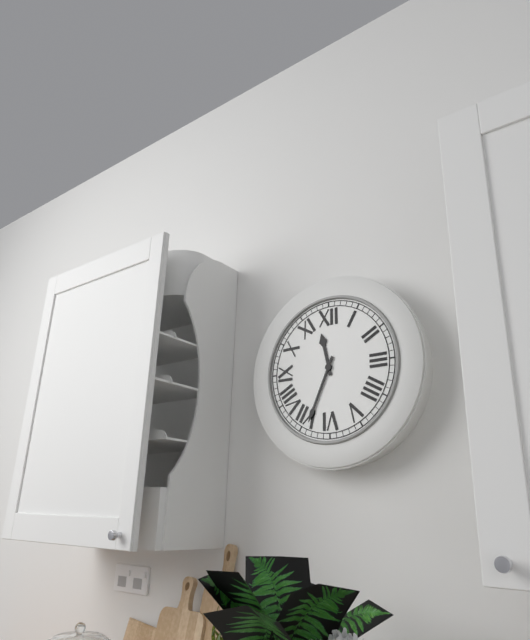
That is 11h34
